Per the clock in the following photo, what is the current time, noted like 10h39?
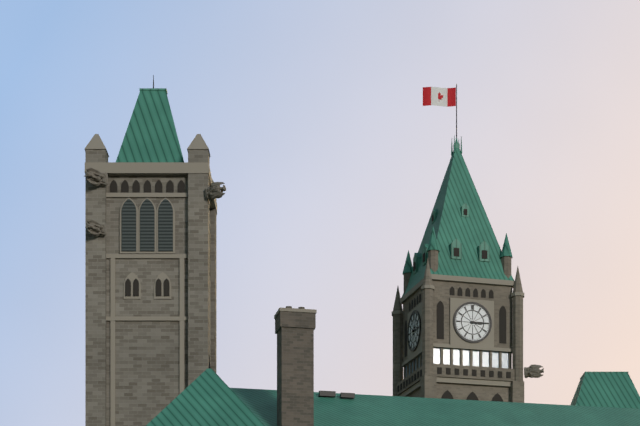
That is 3h15
